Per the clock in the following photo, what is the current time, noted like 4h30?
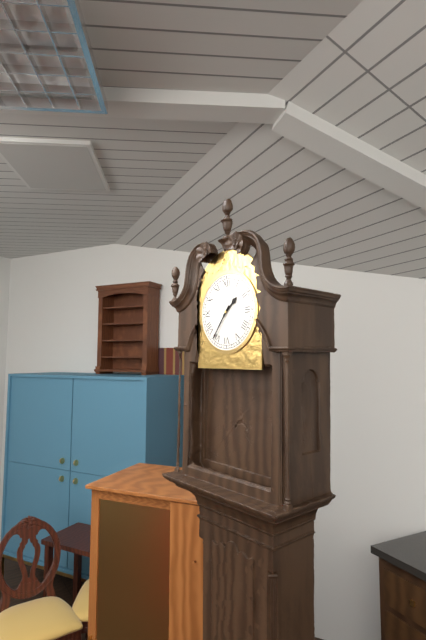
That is 1h36
